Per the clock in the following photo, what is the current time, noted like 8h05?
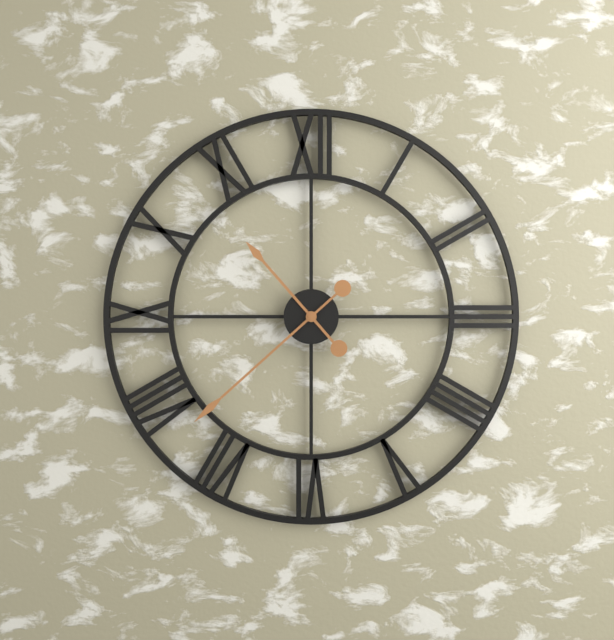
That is 10h38
